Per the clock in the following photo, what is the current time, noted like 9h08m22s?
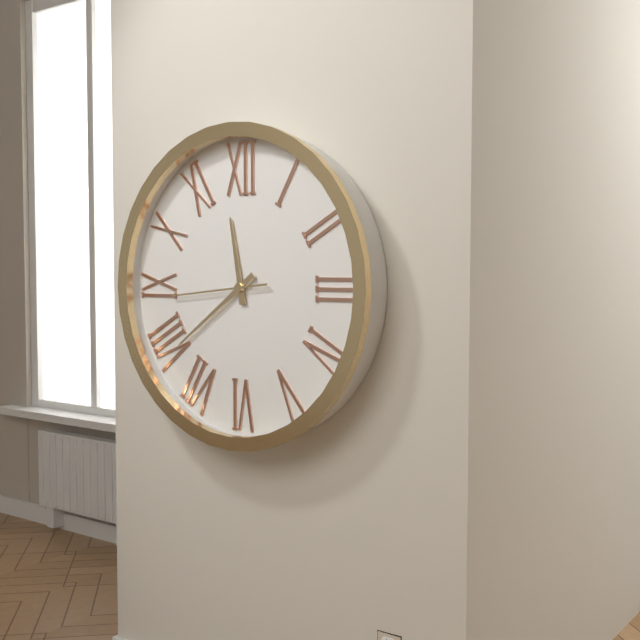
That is 11h39m44s
